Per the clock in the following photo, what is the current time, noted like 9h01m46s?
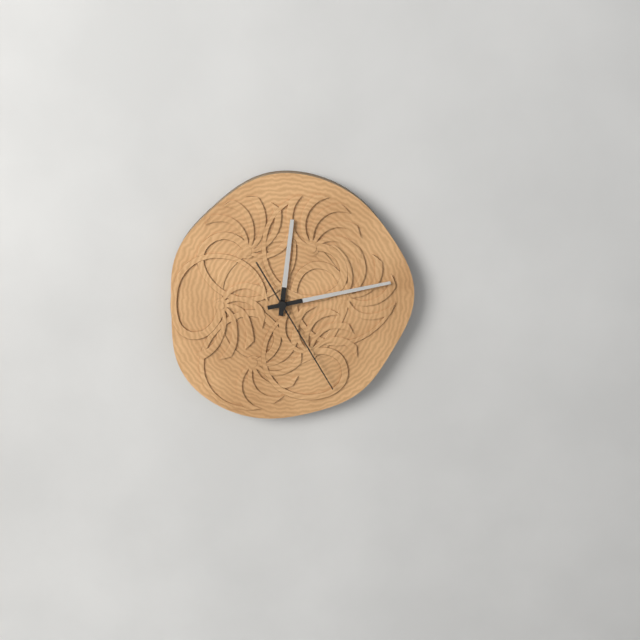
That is 12h13m25s
